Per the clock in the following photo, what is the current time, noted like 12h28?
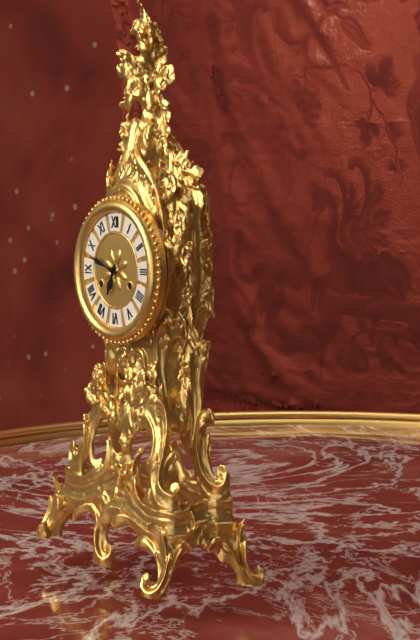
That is 6h48
